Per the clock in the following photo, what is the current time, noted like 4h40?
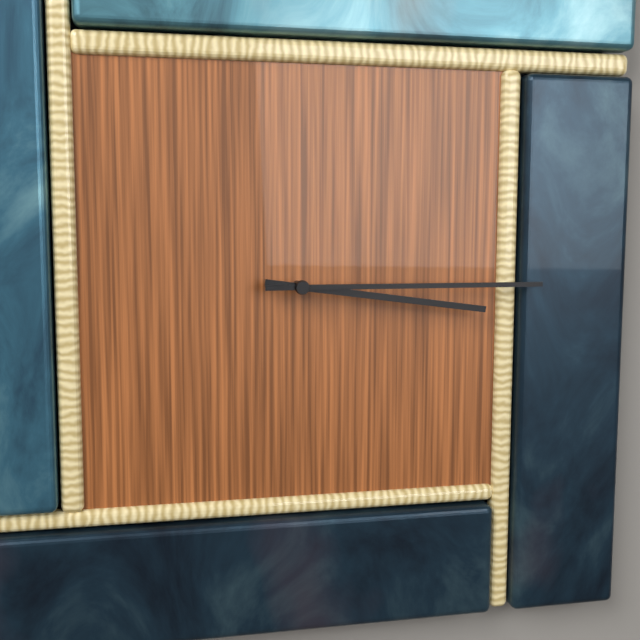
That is 3h15
